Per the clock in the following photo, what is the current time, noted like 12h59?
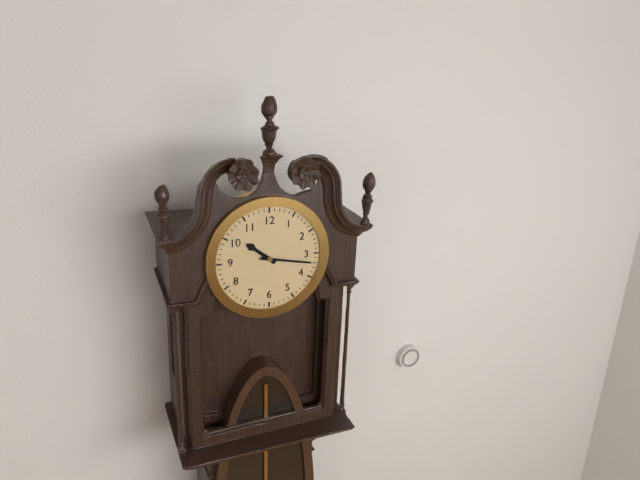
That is 10h17
